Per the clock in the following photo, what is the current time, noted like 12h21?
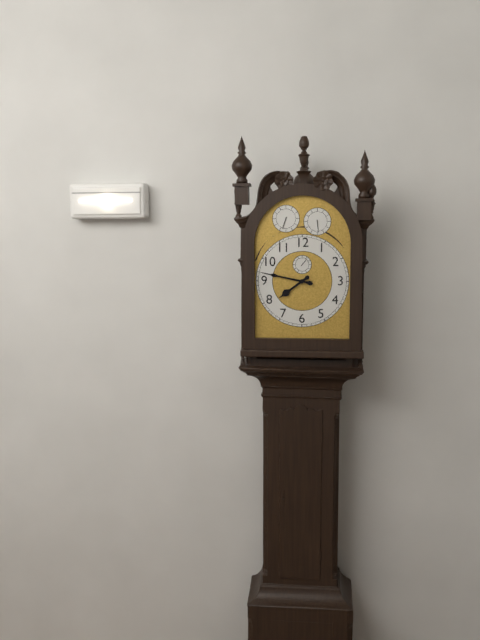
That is 7h47
